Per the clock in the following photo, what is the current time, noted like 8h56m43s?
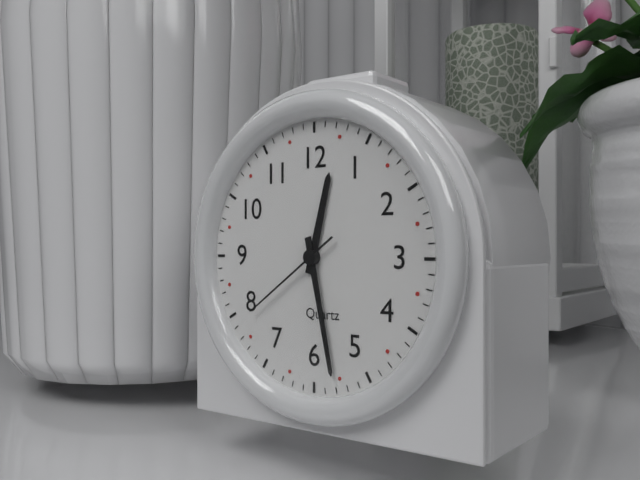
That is 12h28m39s
